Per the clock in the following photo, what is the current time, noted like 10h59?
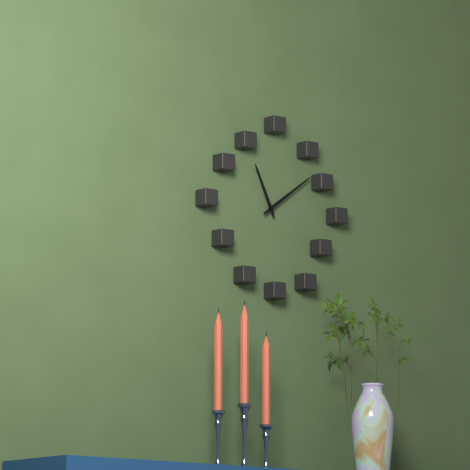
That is 11h09
